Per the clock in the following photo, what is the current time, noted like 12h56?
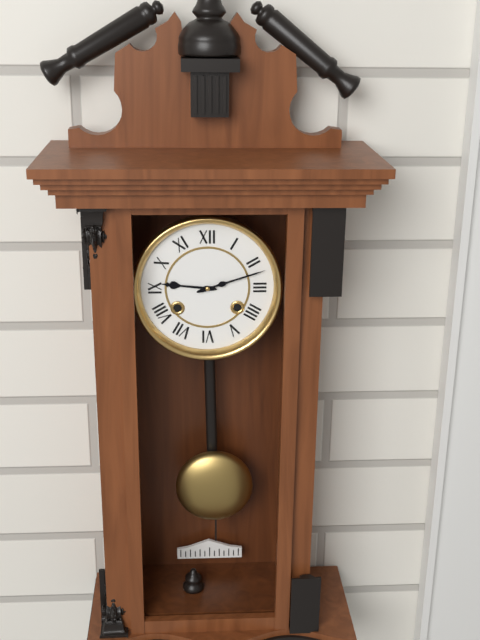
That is 9h12
